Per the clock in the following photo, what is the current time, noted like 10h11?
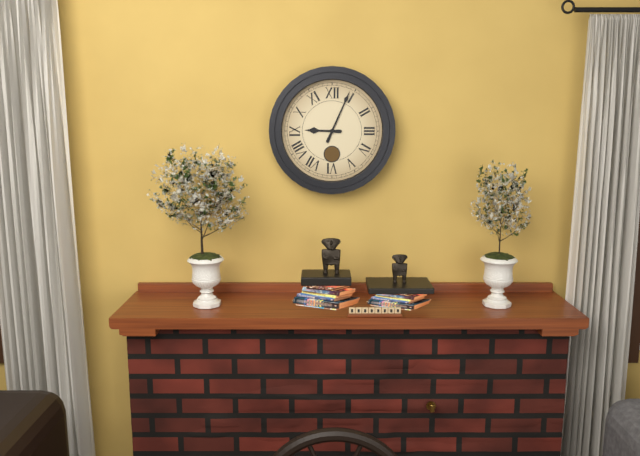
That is 9h04
